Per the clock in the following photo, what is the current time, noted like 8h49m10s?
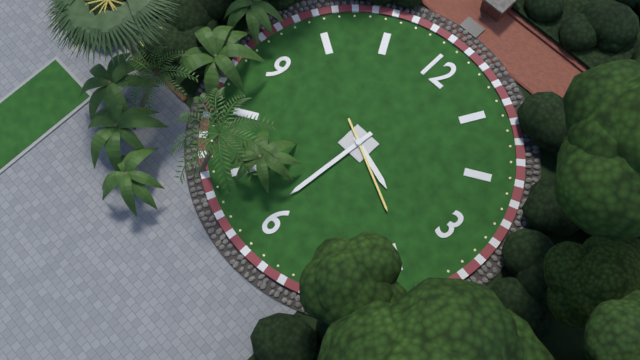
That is 3h31m19s
